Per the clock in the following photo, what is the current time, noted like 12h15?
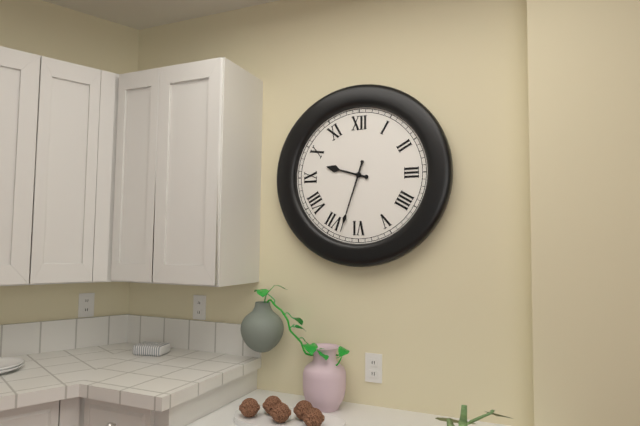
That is 9h33
